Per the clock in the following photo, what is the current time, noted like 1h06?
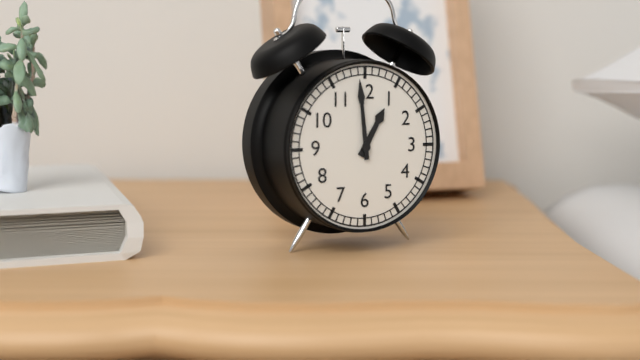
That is 12h59
